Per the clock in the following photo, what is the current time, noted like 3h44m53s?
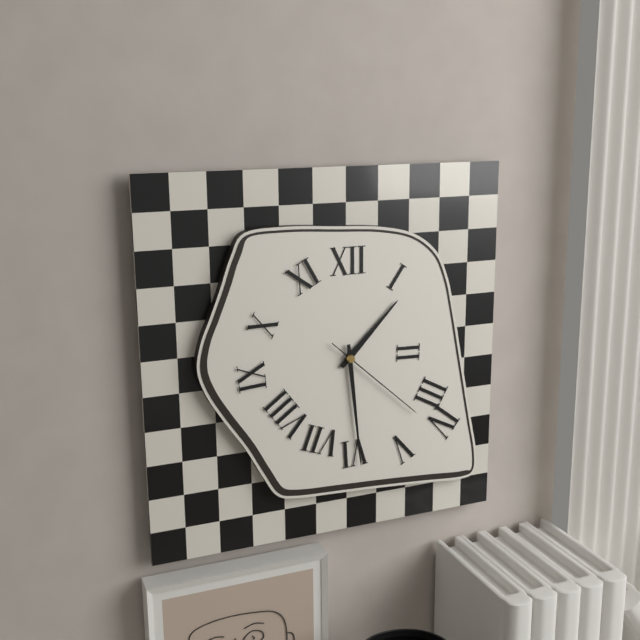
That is 1h29m22s
